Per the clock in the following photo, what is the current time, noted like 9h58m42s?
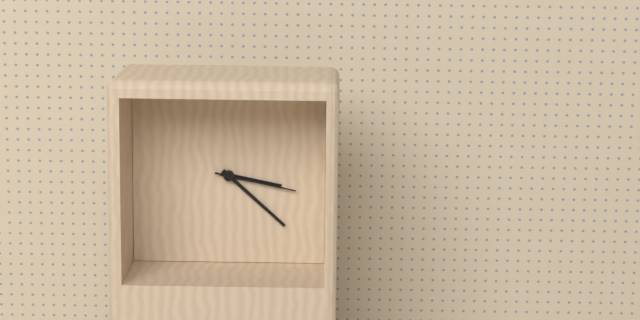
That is 3h22m17s
